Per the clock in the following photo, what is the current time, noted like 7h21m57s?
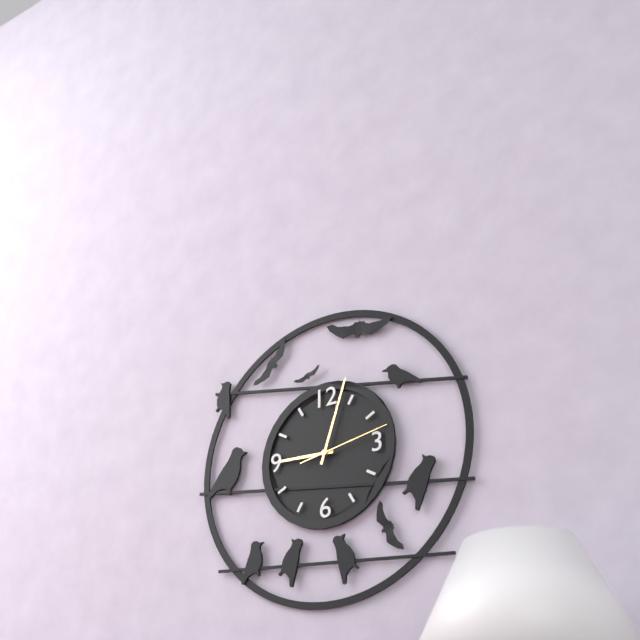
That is 9h03m13s
